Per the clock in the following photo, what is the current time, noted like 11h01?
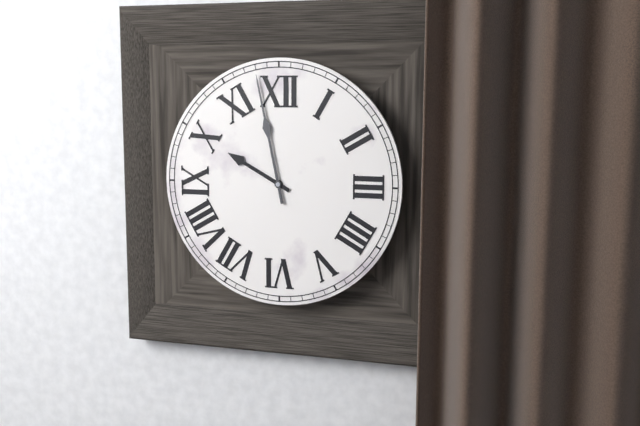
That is 9h58
